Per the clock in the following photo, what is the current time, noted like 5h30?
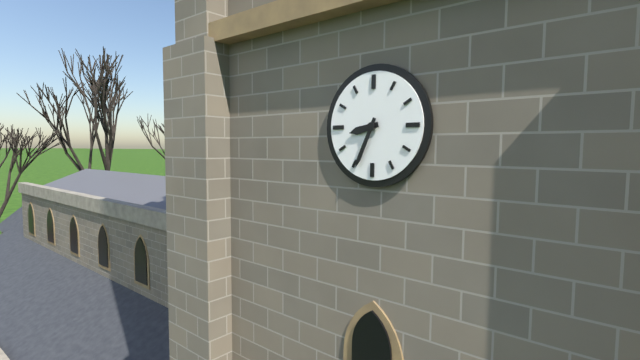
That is 8h34
